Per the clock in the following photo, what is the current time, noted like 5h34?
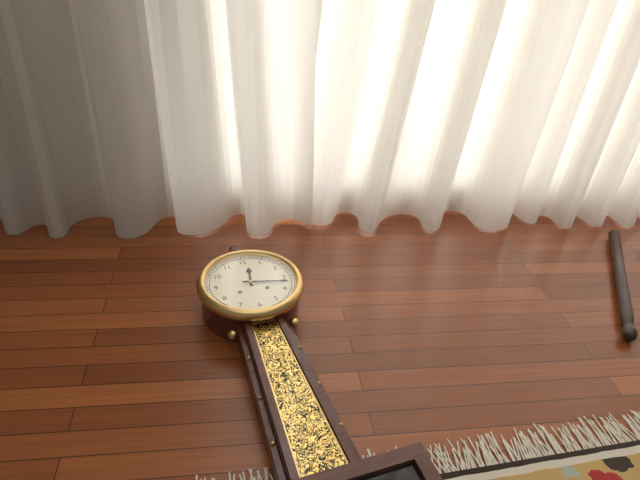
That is 12h17
